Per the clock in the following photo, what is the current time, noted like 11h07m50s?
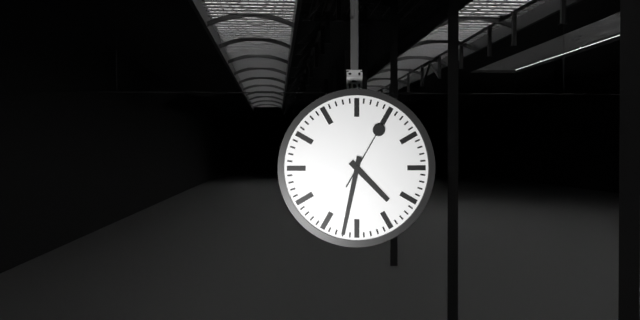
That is 4h32m05s
